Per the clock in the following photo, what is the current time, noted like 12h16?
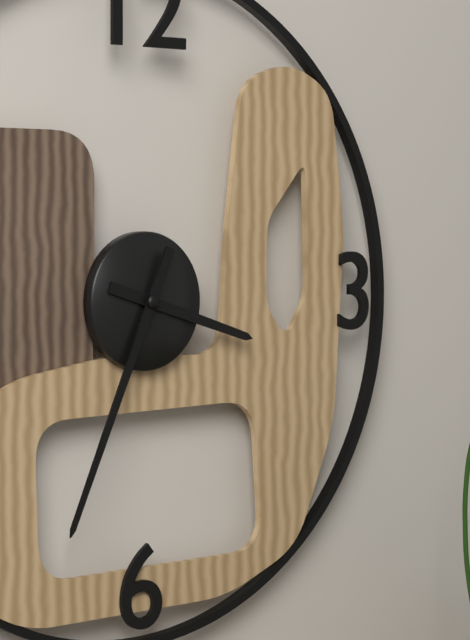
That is 3h34
